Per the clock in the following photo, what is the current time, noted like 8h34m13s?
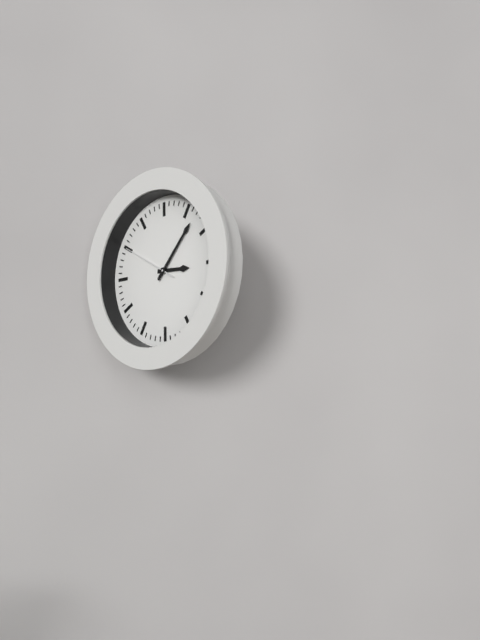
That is 3h07m50s
